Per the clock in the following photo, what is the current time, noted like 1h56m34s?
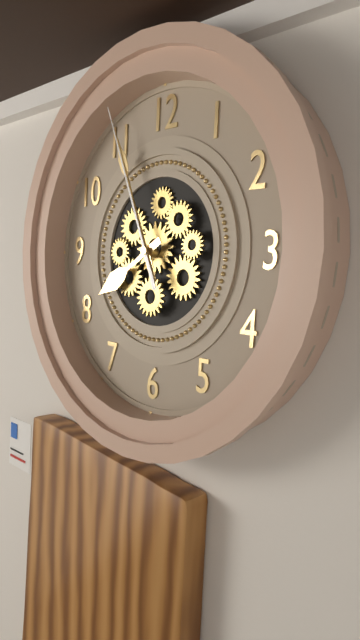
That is 7h56m56s
